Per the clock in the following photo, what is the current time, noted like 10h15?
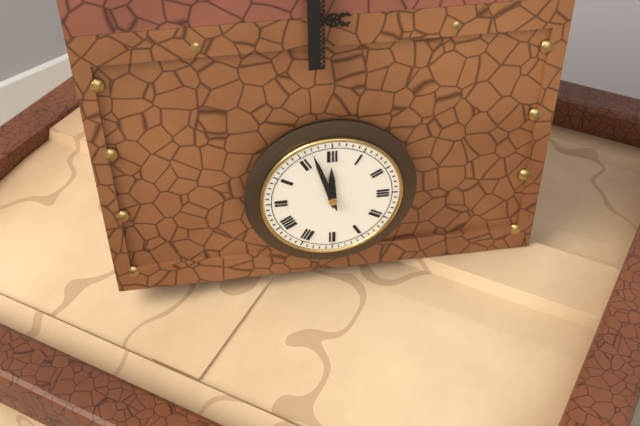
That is 11h57
